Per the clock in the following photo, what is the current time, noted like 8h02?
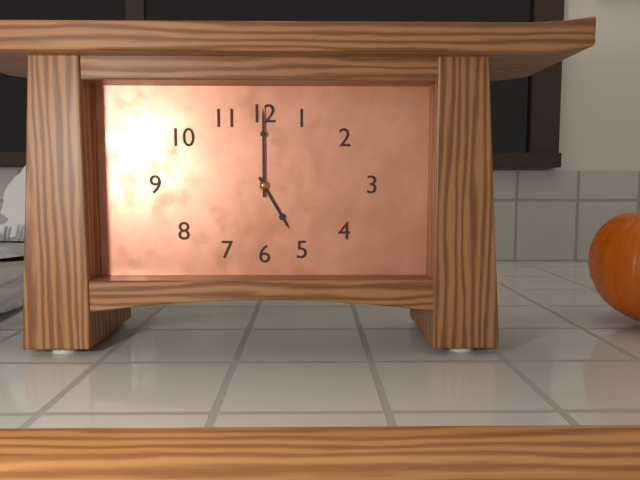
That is 5h00
